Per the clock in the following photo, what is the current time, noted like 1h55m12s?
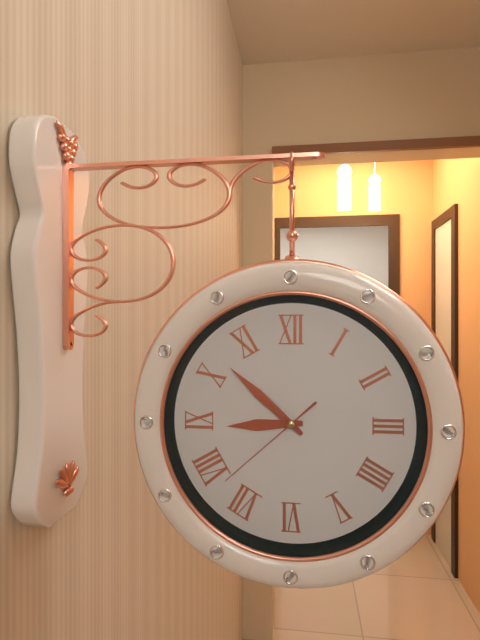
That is 8h52m38s
